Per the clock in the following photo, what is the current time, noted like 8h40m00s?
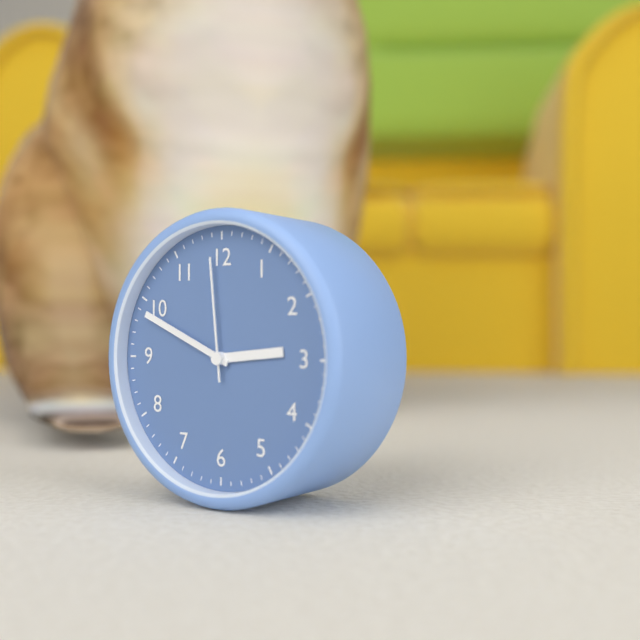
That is 2h49m59s
